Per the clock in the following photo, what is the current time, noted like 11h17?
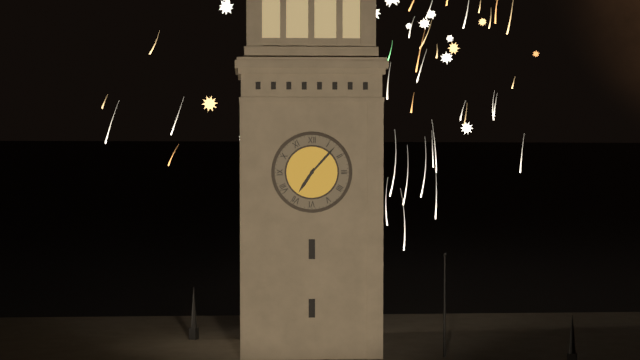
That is 7h07
